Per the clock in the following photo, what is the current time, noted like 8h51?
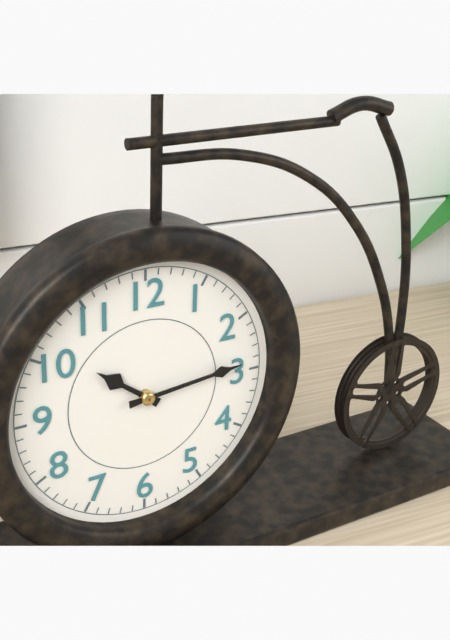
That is 10h14
